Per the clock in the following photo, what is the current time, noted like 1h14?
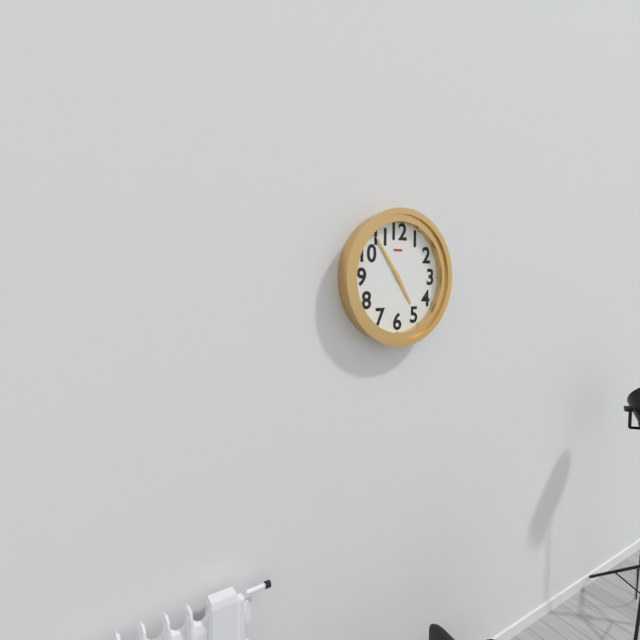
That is 4h54
